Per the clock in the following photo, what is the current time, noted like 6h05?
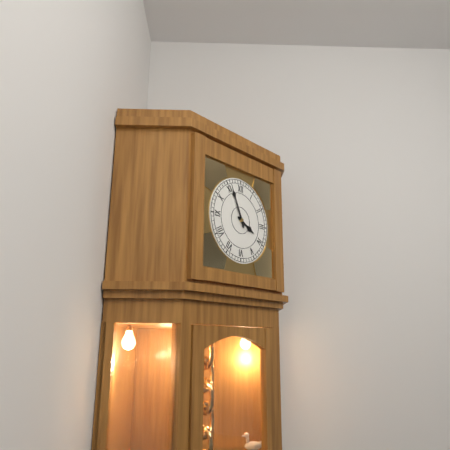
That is 3h56
